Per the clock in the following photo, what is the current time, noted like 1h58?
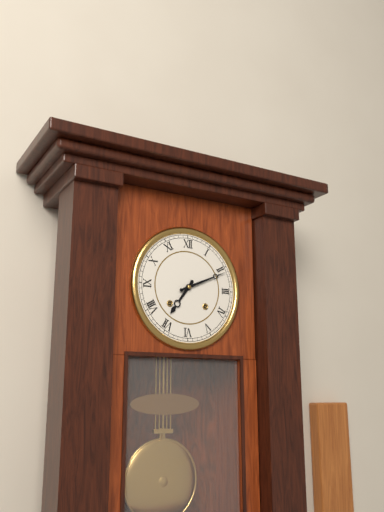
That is 7h11
